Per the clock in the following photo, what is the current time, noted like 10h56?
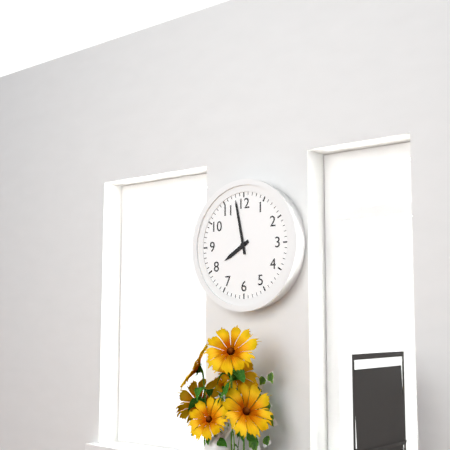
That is 7h58
